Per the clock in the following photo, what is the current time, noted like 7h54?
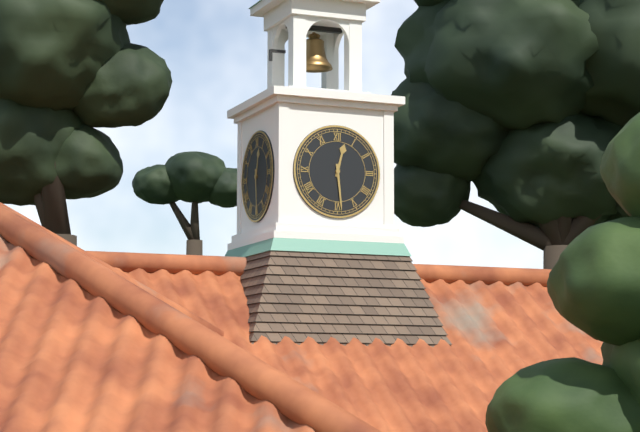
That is 12h29
